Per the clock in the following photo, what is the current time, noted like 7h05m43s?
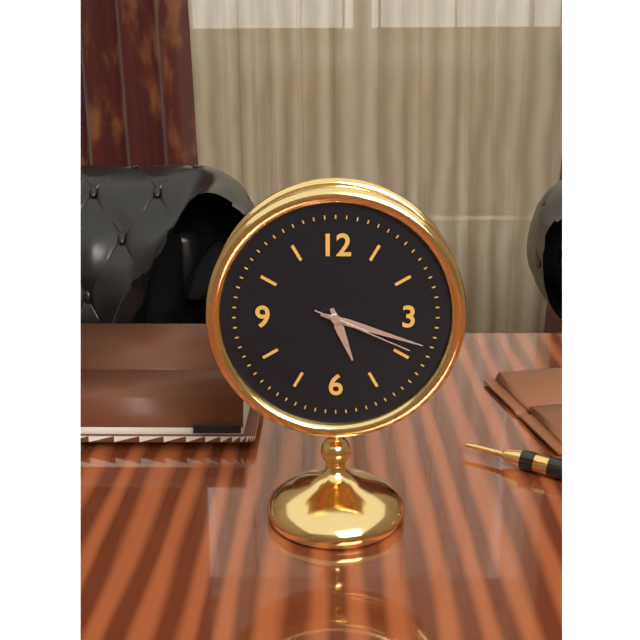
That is 5h18m19s
